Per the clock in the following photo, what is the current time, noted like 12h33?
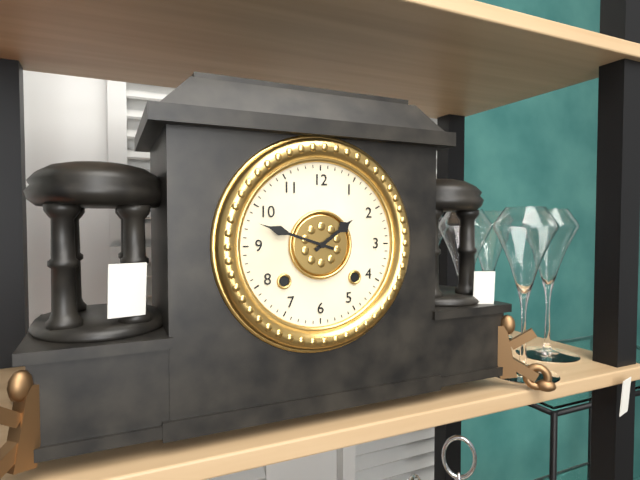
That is 1h48
